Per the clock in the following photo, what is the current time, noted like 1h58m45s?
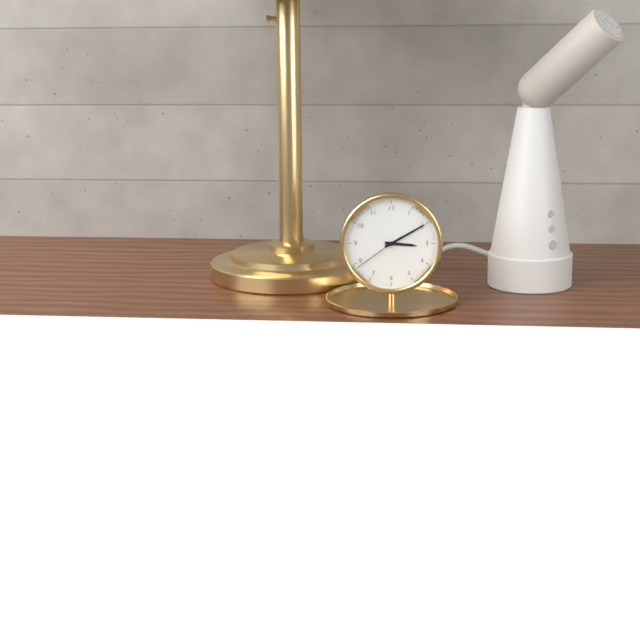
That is 3h10m39s
